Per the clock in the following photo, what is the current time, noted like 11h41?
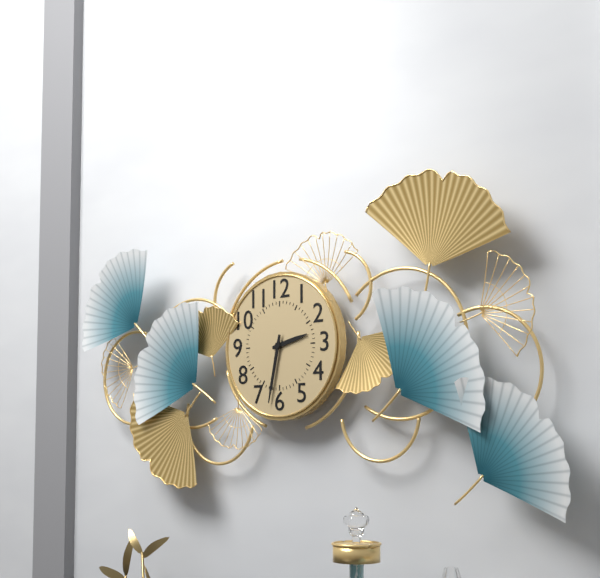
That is 2h32
